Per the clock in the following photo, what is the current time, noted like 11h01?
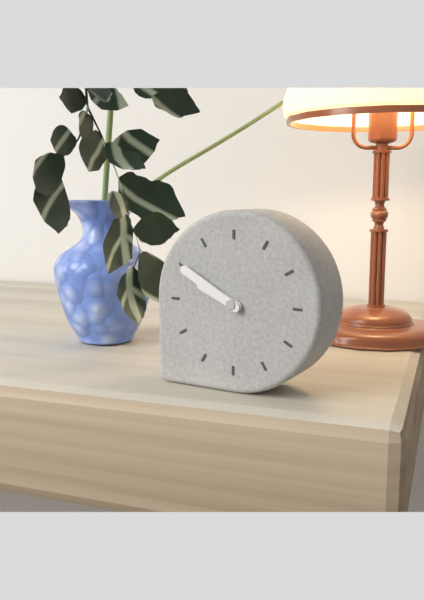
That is 9h50
